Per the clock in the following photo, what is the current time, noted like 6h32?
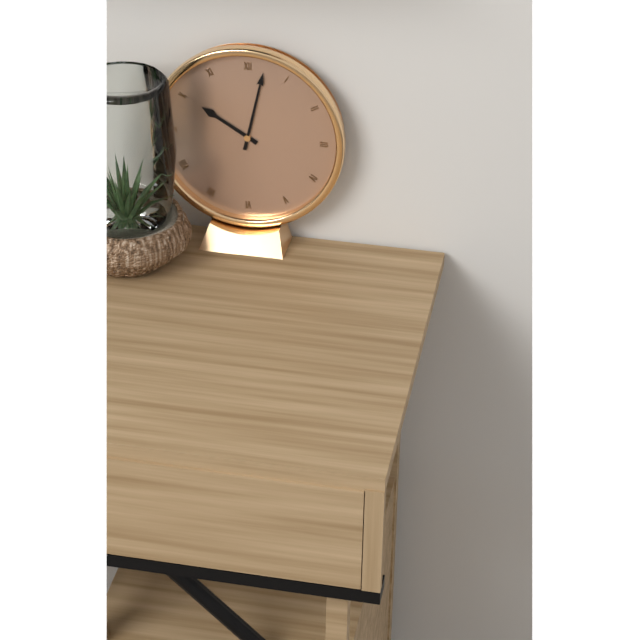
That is 10h02
